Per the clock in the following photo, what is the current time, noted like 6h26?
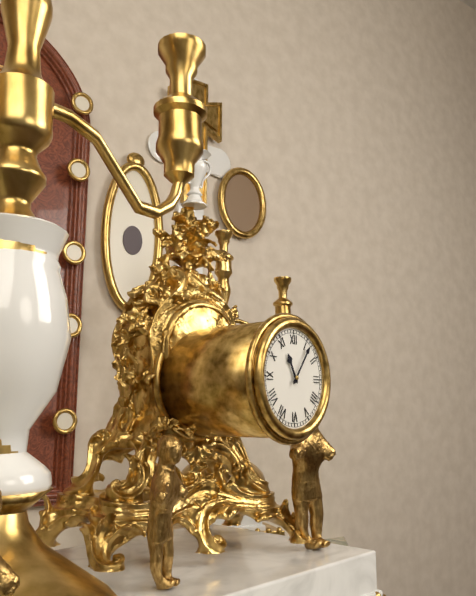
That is 11h06
